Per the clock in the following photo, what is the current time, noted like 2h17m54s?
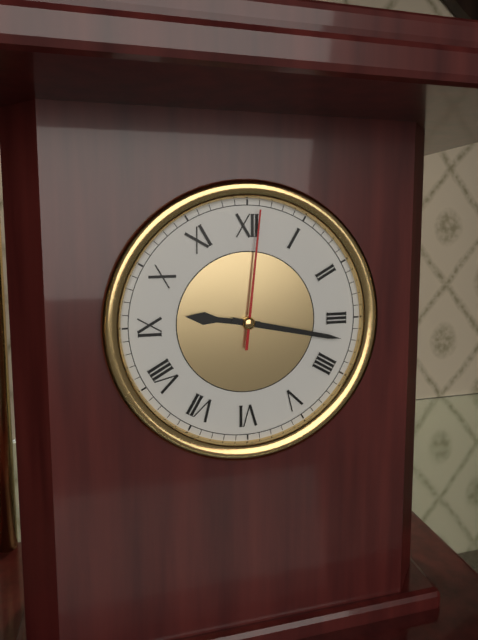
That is 9h17m01s
